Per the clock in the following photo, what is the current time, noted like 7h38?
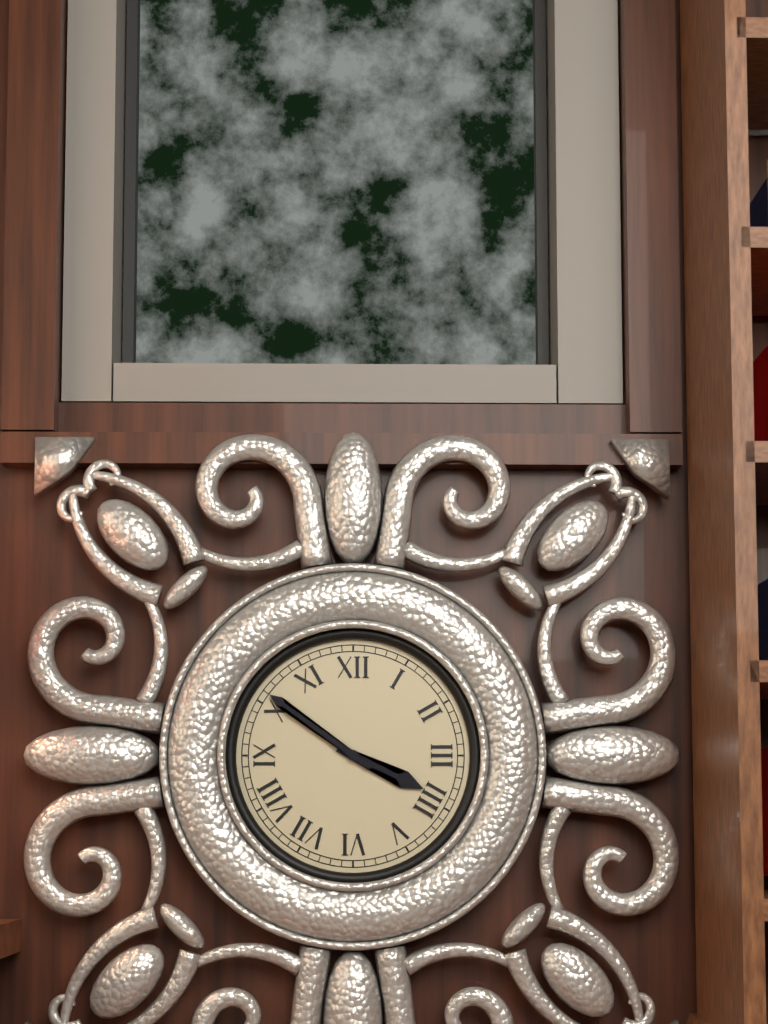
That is 3h51
